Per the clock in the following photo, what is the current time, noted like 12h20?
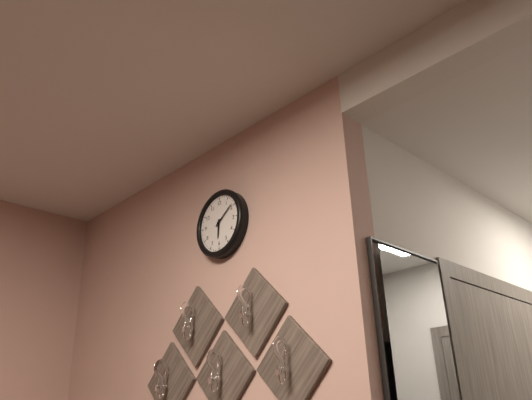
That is 6h09
